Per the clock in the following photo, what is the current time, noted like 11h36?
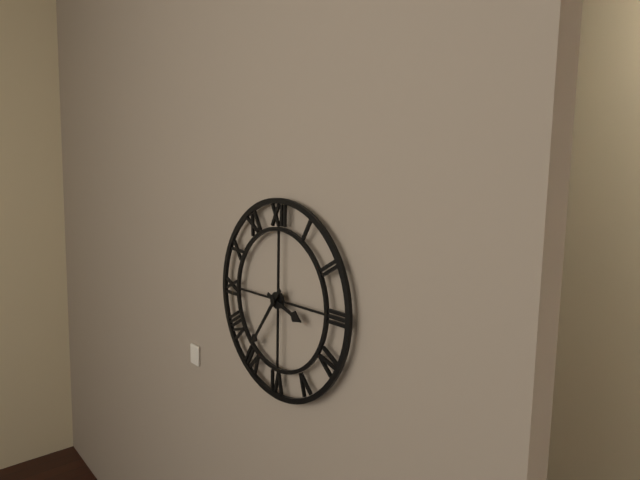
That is 3h36
